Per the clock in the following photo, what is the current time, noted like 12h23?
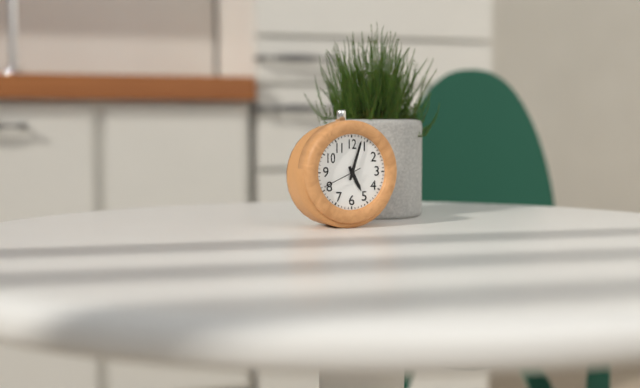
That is 5h03
